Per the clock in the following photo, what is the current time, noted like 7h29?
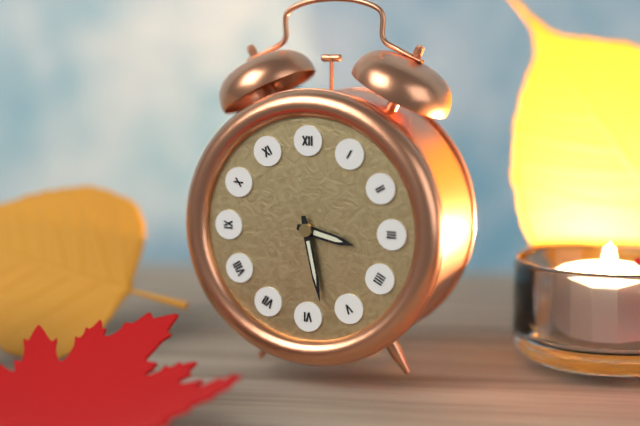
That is 3h28
